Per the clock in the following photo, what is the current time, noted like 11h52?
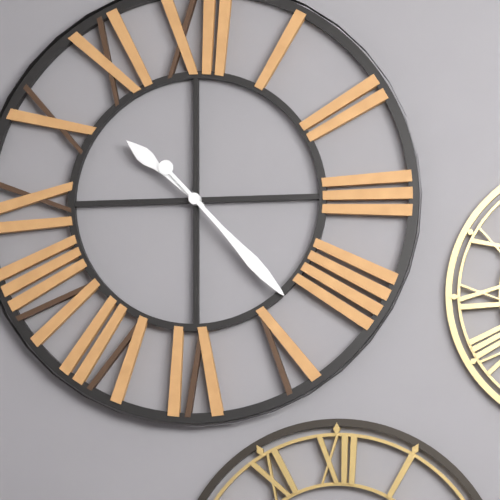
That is 10h23
